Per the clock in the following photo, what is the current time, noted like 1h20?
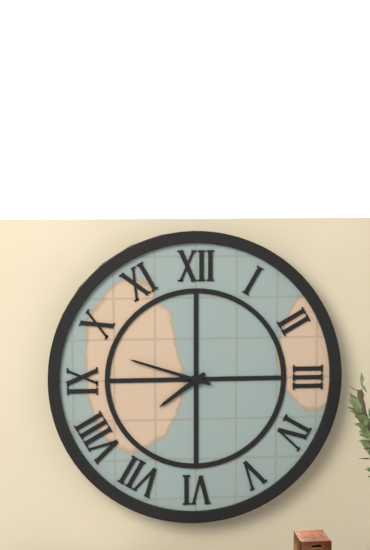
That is 7h48
